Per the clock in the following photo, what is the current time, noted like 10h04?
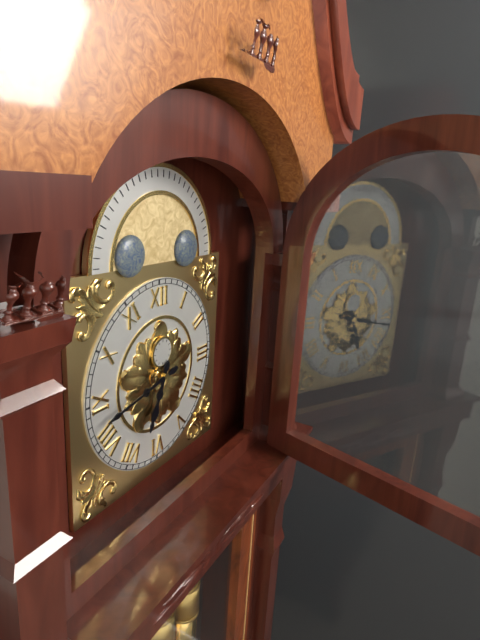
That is 6h43
